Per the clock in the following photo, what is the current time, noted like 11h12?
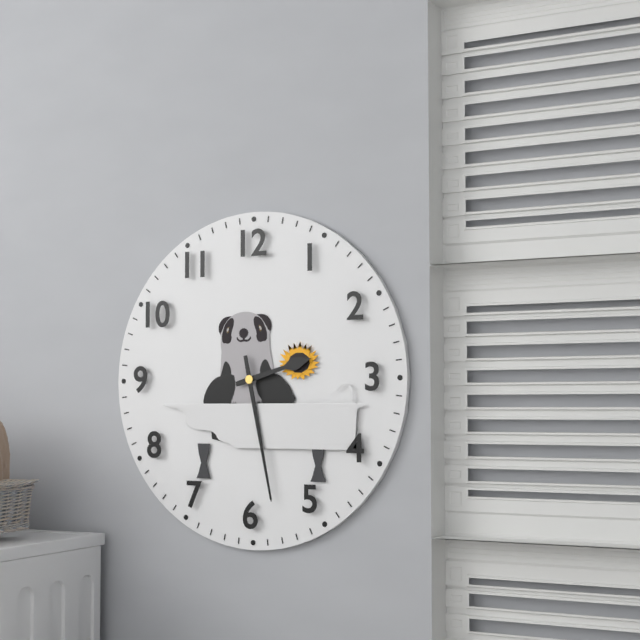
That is 2h28
